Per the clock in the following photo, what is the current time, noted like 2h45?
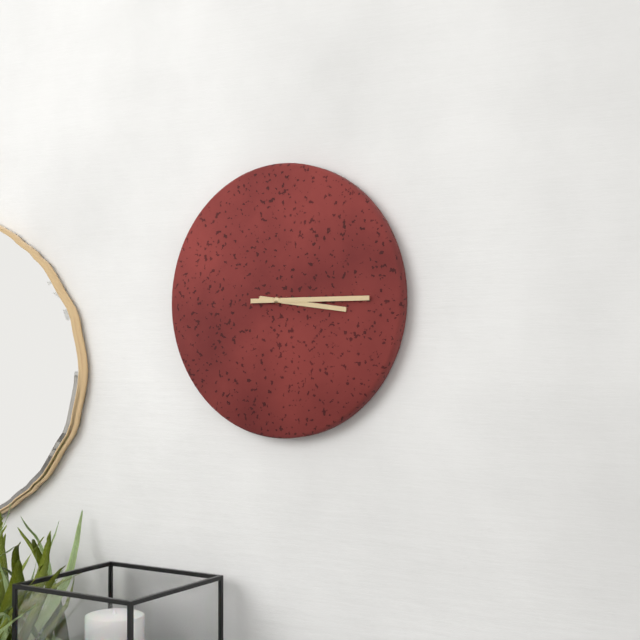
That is 3h15
